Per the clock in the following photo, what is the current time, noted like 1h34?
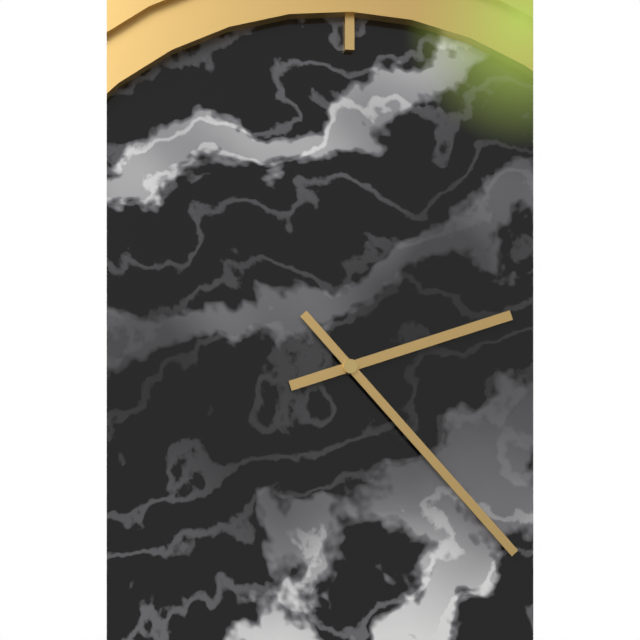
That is 2h23
